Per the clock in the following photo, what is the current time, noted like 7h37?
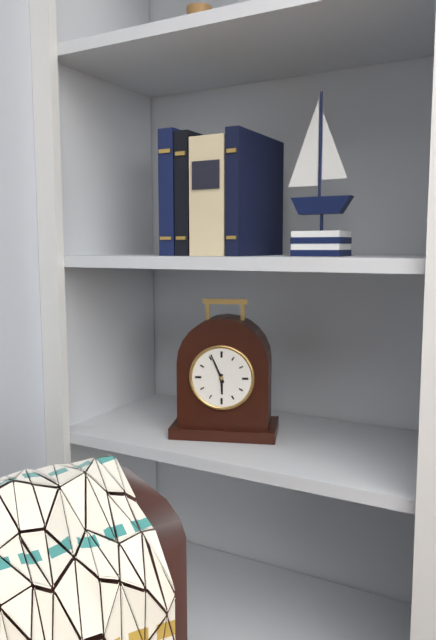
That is 5h56
